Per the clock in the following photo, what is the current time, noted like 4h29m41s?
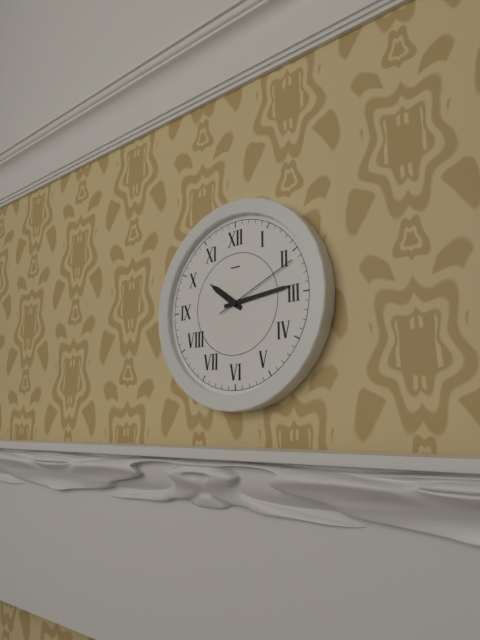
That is 10h14m11s
